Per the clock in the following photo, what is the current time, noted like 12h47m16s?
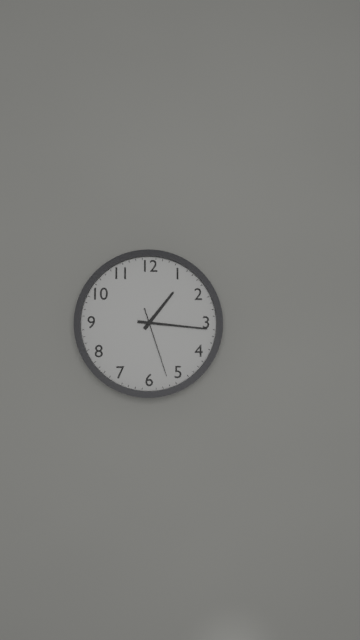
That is 1h16m27s
